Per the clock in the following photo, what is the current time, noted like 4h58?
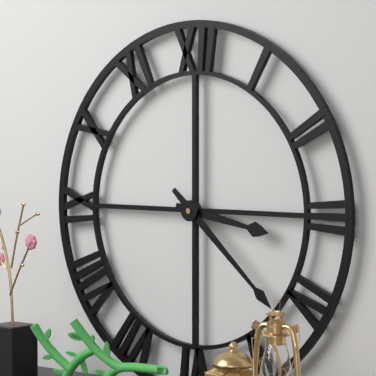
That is 3h22
